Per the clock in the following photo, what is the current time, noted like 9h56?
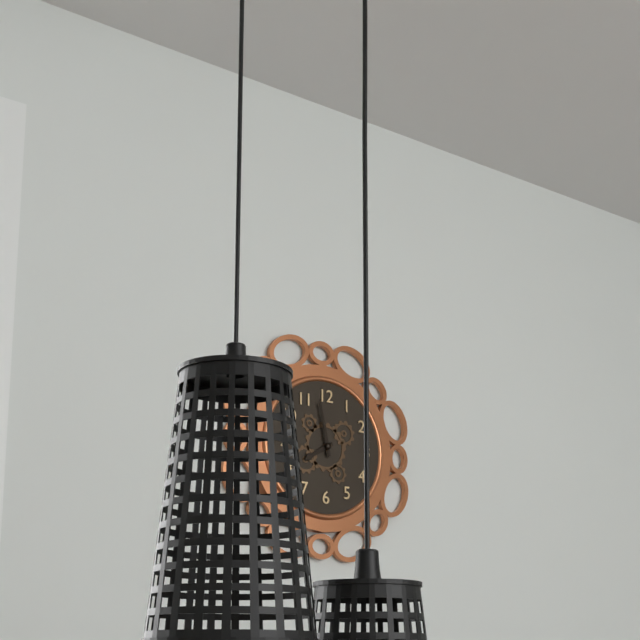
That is 7h58
